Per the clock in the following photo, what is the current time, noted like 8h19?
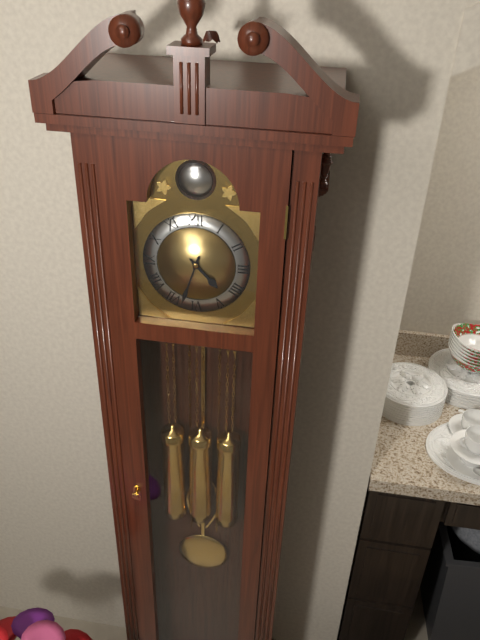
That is 4h33
